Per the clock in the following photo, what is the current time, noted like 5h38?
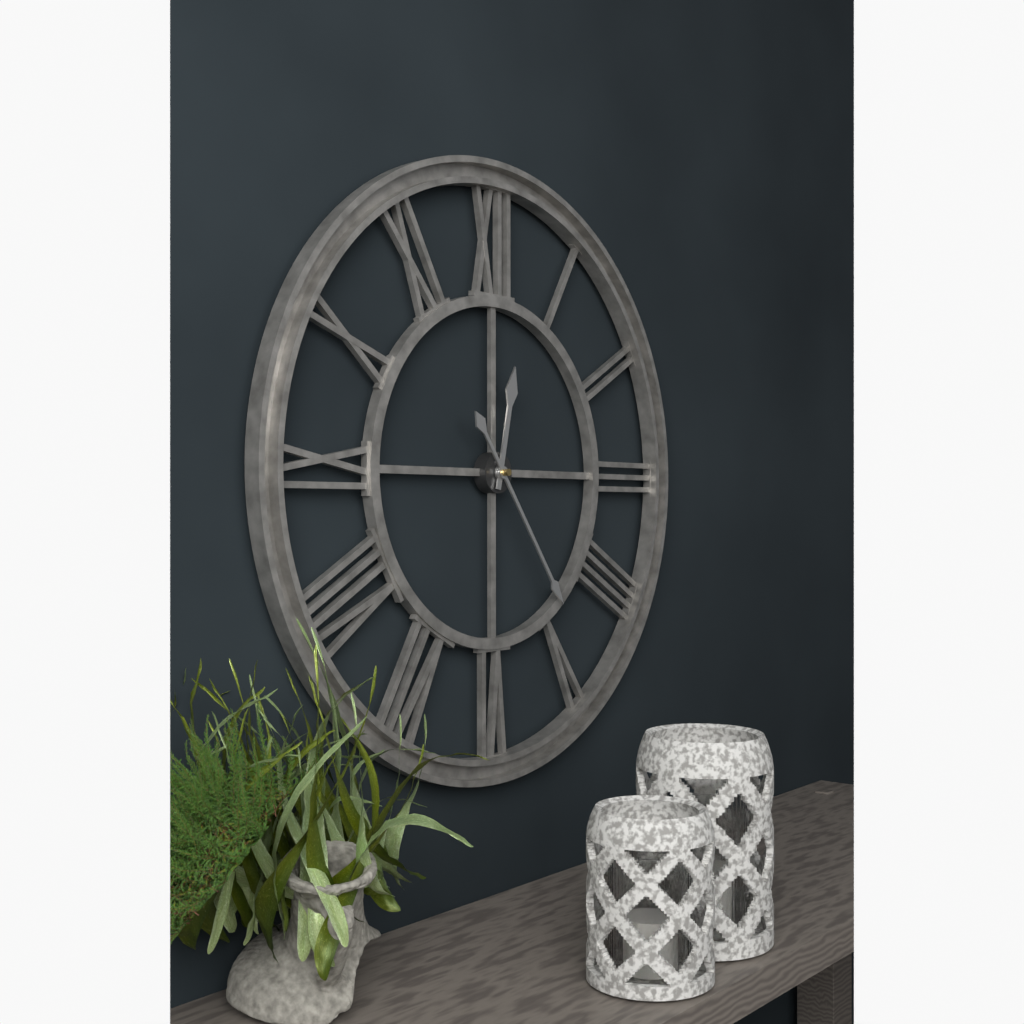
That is 12h24
